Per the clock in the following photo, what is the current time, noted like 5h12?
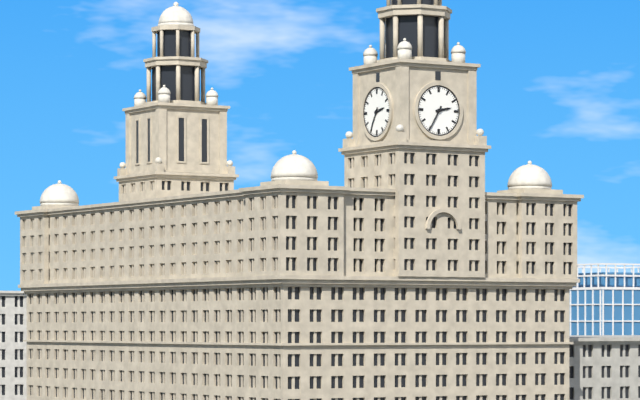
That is 2h35
